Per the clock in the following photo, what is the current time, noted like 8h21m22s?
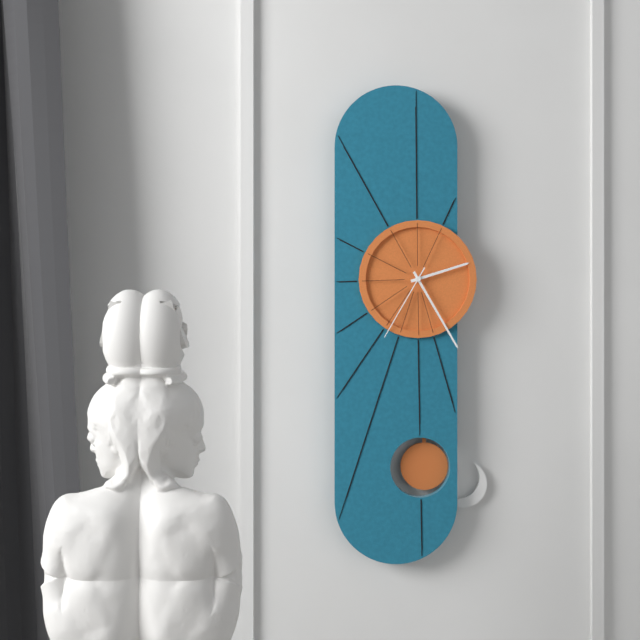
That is 2h25m35s
